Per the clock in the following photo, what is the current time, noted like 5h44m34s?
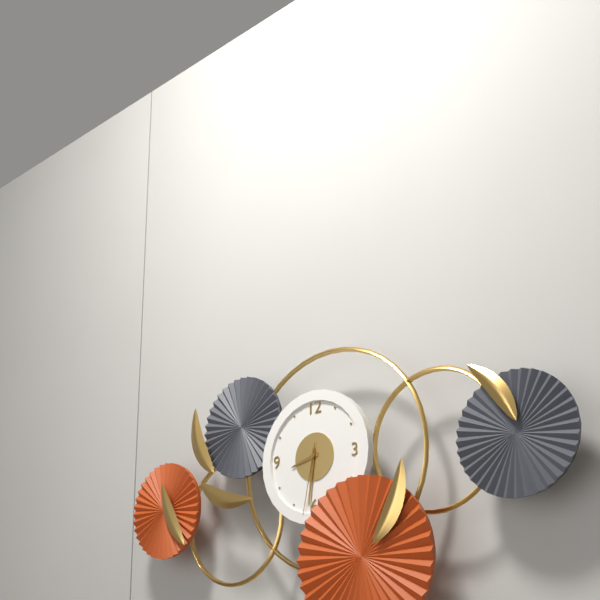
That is 8h31m32s
